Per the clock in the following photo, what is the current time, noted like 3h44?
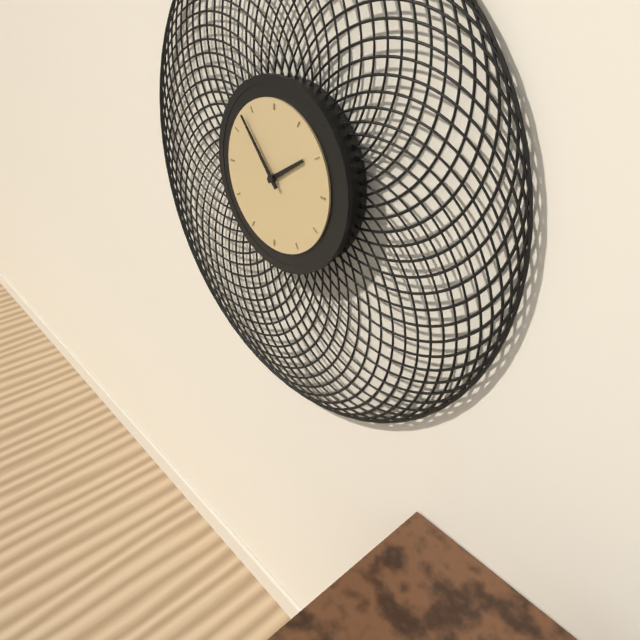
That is 1h53
